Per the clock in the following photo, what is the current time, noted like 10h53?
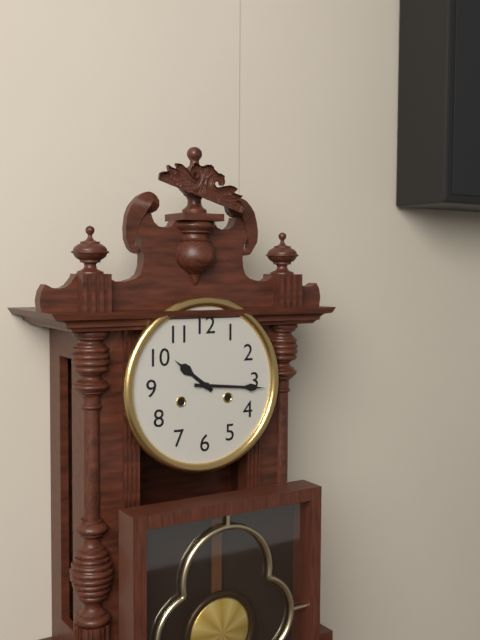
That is 10h16
